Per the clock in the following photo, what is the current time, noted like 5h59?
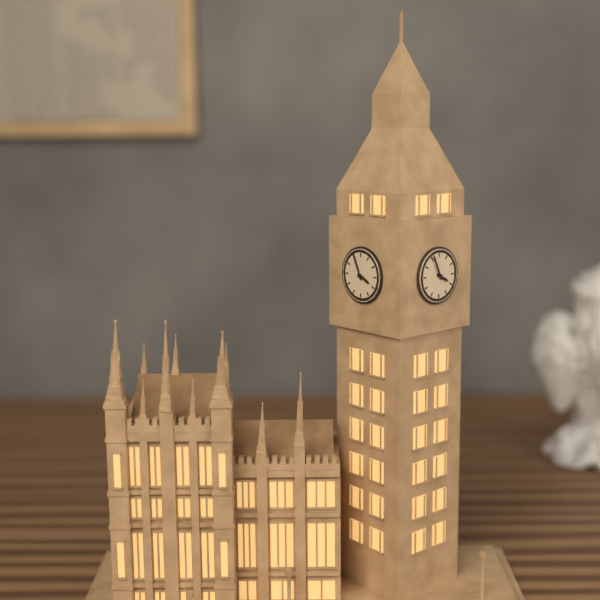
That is 3h56
